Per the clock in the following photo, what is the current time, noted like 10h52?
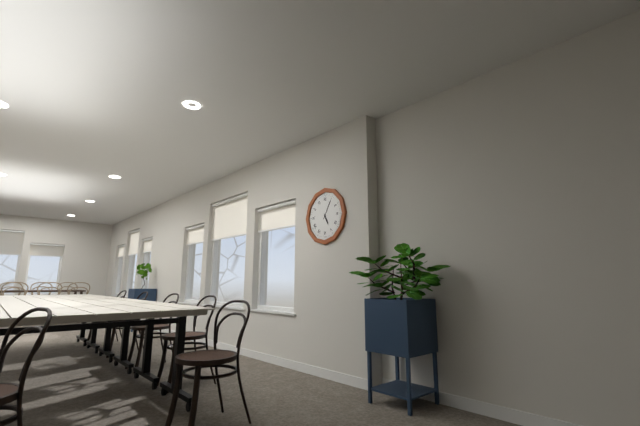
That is 5h05
